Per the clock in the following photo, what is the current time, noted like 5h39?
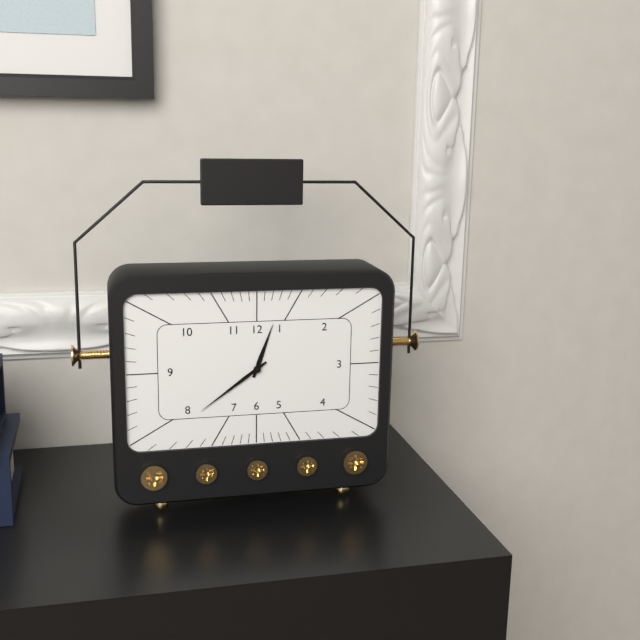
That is 12h39
